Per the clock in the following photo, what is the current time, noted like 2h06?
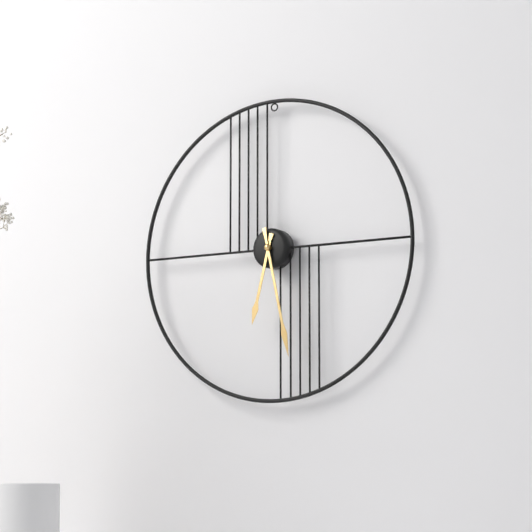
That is 6h28
